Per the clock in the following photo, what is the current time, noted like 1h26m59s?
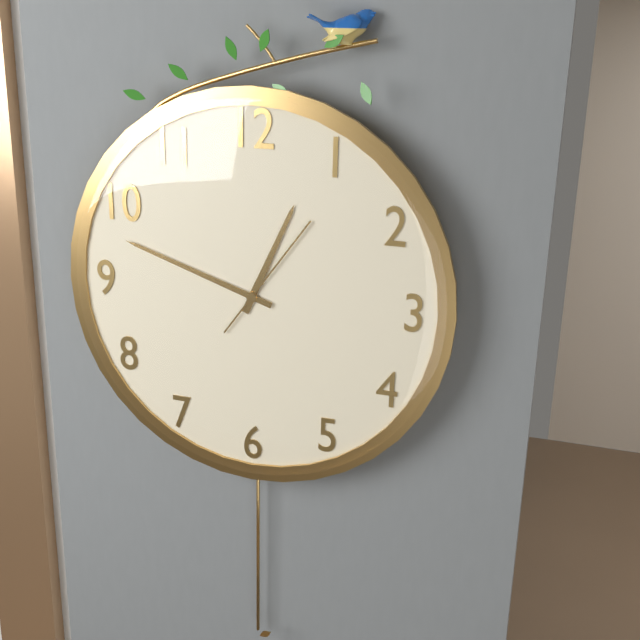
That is 12h48m06s
